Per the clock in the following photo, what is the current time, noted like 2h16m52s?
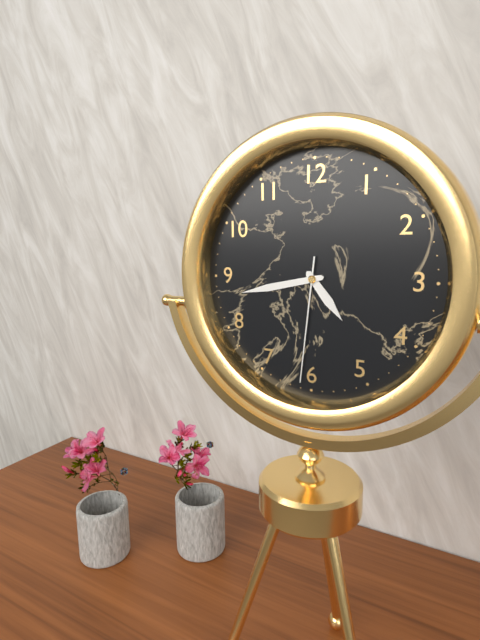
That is 4h43m31s
